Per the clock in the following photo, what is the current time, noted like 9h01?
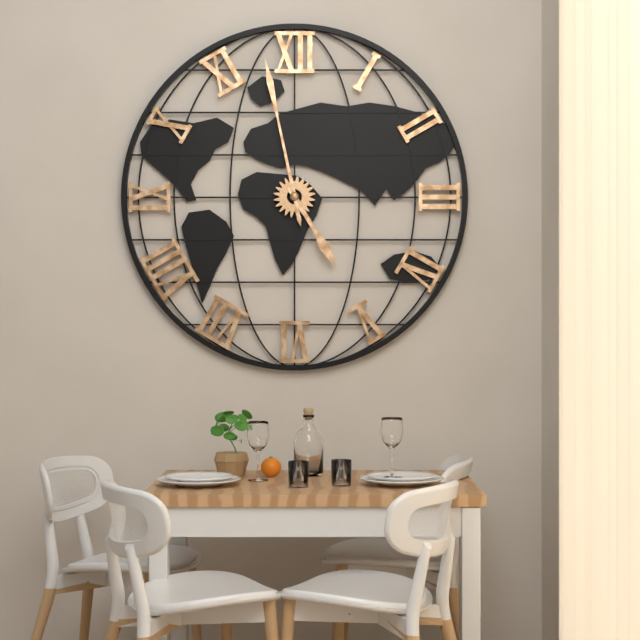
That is 4h58
